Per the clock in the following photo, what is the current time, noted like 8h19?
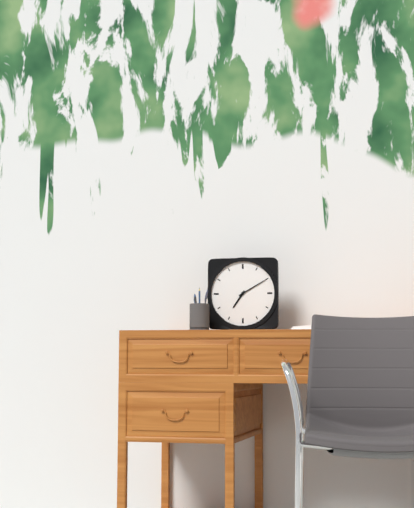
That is 7h10
